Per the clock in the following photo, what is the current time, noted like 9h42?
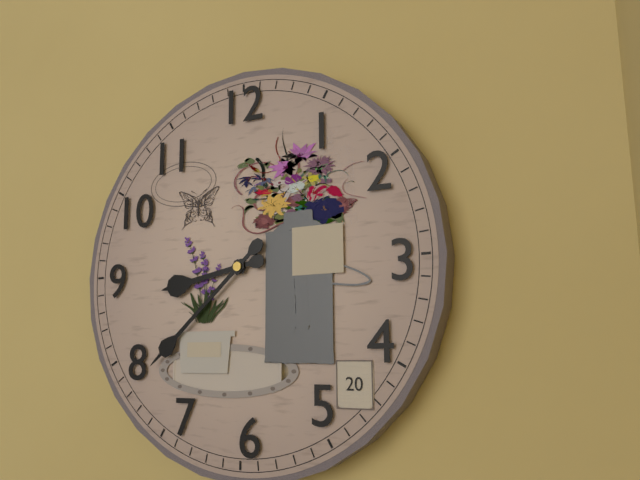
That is 8h38
